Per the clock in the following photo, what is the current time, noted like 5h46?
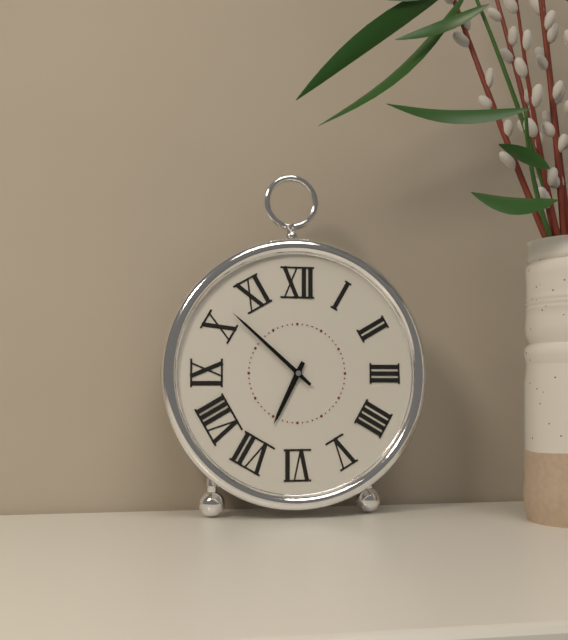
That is 6h52
